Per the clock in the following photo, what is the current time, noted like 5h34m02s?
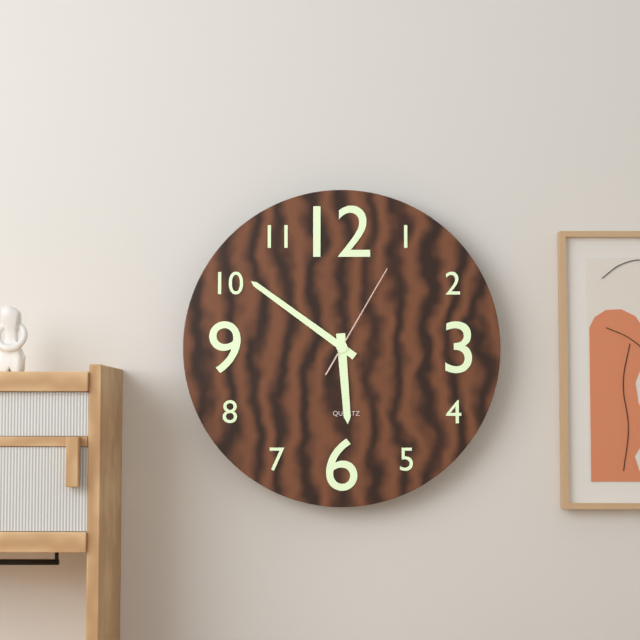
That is 5h51m05s
